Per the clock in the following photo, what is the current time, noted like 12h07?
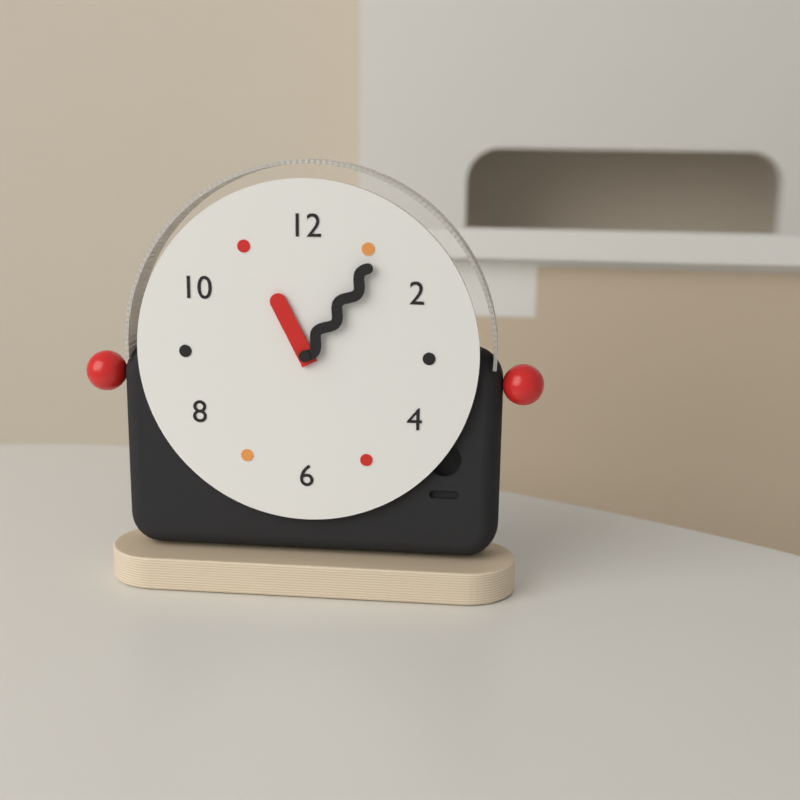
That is 11h06
